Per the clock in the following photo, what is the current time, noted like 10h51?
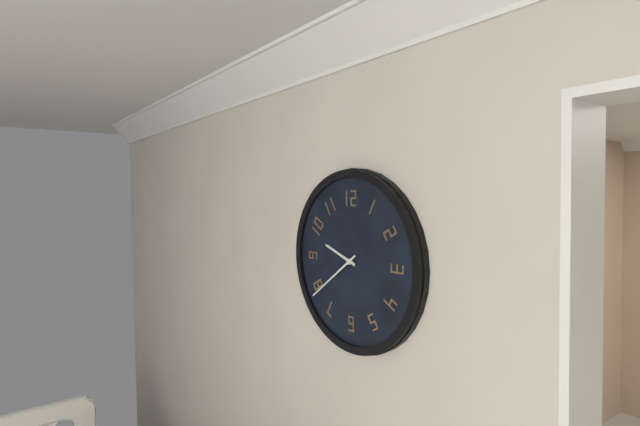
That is 9h39
